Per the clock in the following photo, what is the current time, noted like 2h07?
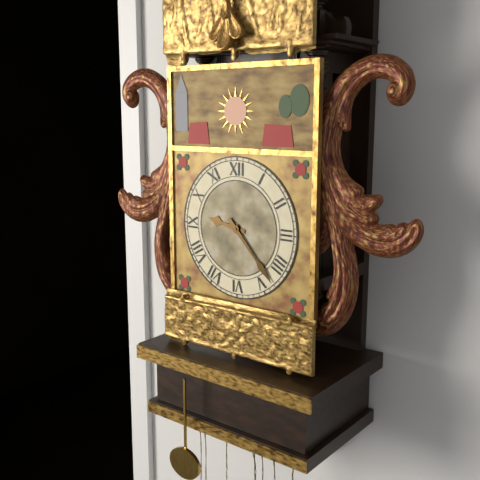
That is 9h23
